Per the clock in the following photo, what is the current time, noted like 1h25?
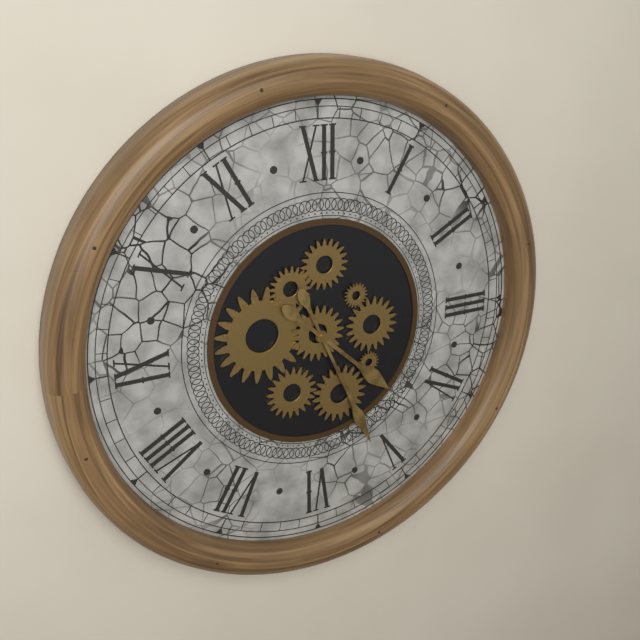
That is 4h26
